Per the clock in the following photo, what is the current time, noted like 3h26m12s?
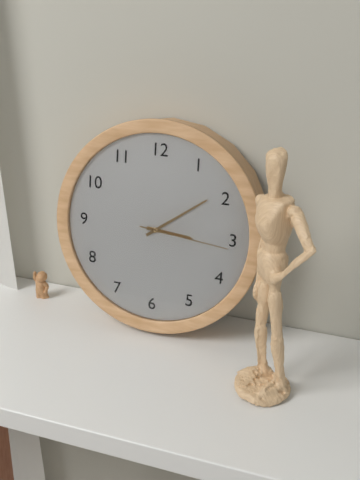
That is 3h09m16s
